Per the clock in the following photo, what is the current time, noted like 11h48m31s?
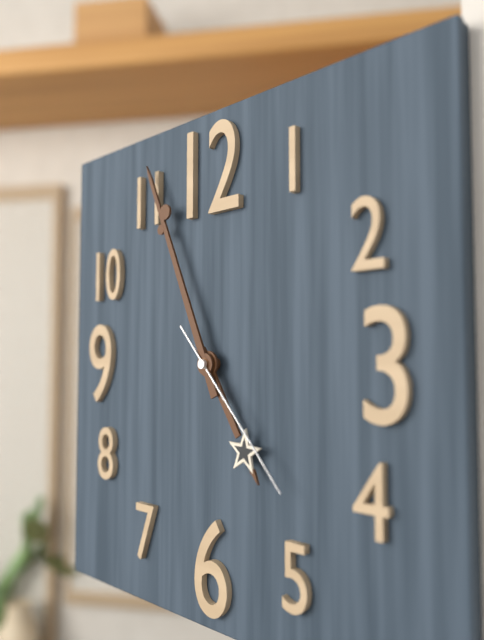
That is 4h56m23s
